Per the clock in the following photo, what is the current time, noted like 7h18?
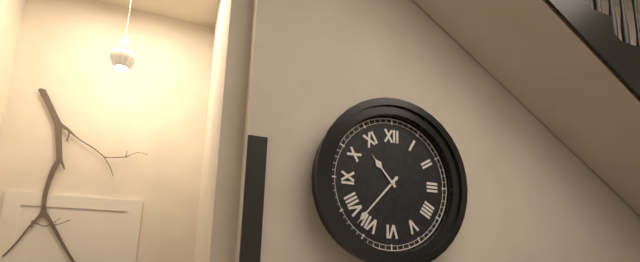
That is 10h37
